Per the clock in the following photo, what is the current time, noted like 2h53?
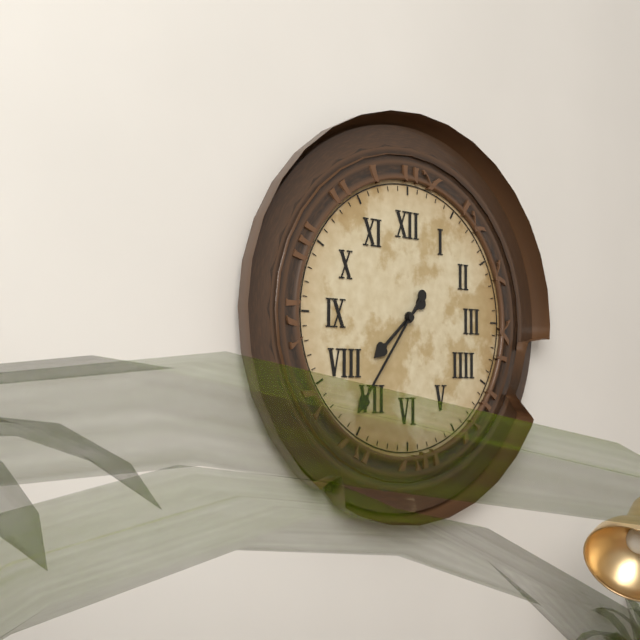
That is 7h36
